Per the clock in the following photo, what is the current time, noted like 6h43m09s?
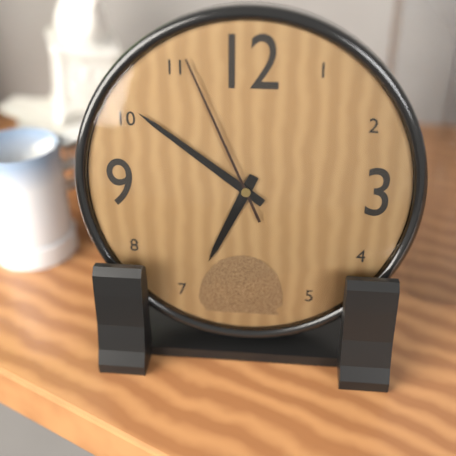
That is 6h51m56s
